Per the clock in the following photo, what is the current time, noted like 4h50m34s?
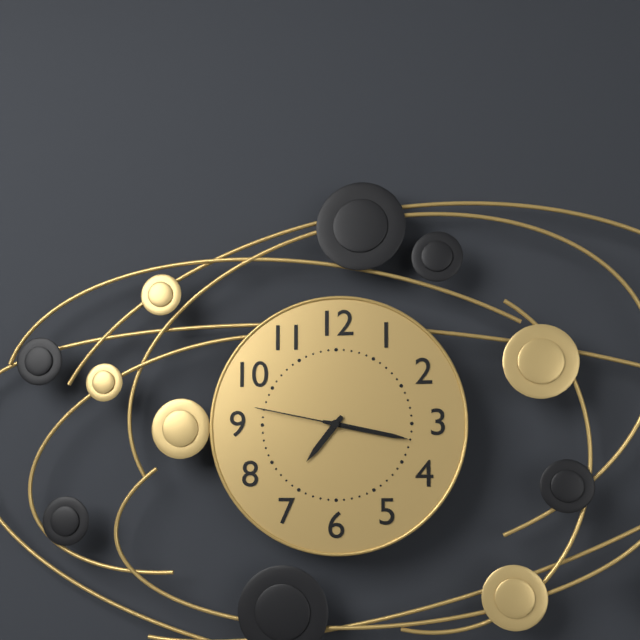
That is 7h17m47s
